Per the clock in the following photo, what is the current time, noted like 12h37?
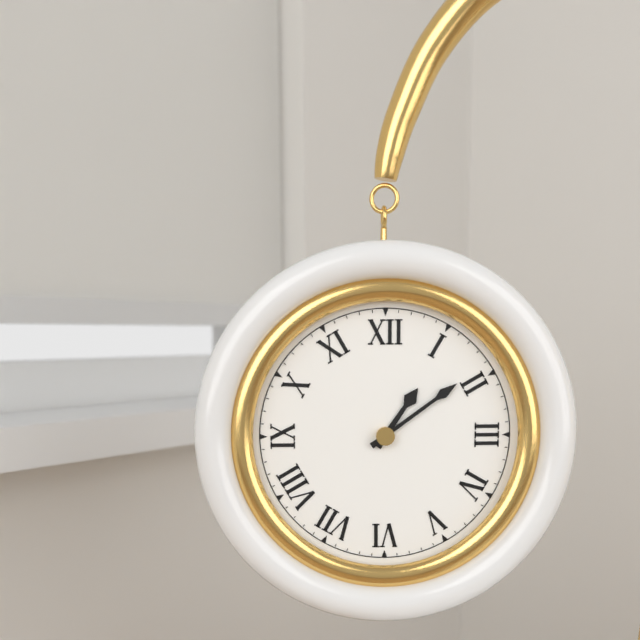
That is 1h09
